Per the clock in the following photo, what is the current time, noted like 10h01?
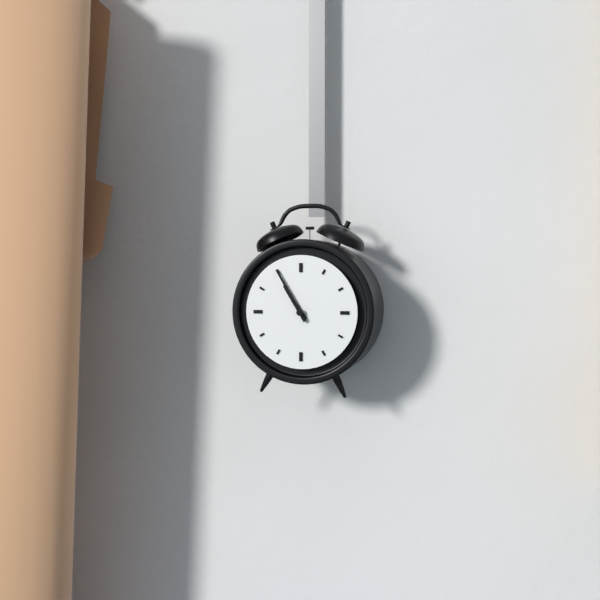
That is 10h55
